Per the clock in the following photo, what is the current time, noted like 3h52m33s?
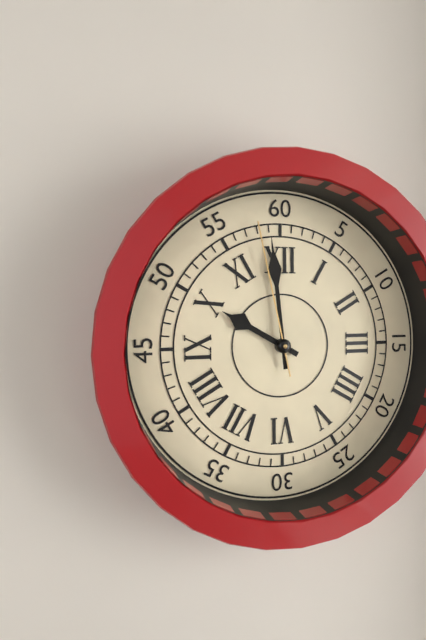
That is 9h59m58s
